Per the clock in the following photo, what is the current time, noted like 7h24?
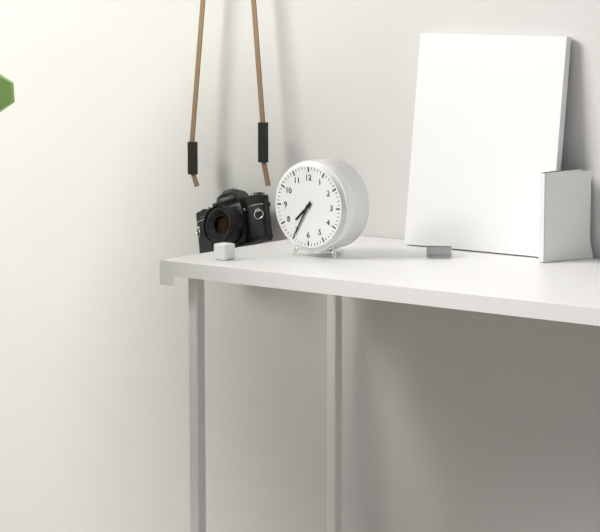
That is 7h35
